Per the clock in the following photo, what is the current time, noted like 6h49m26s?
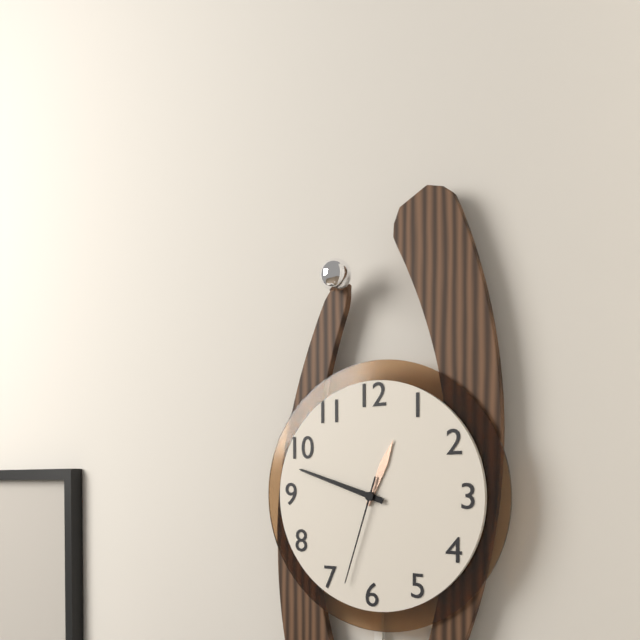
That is 12h48m33s
